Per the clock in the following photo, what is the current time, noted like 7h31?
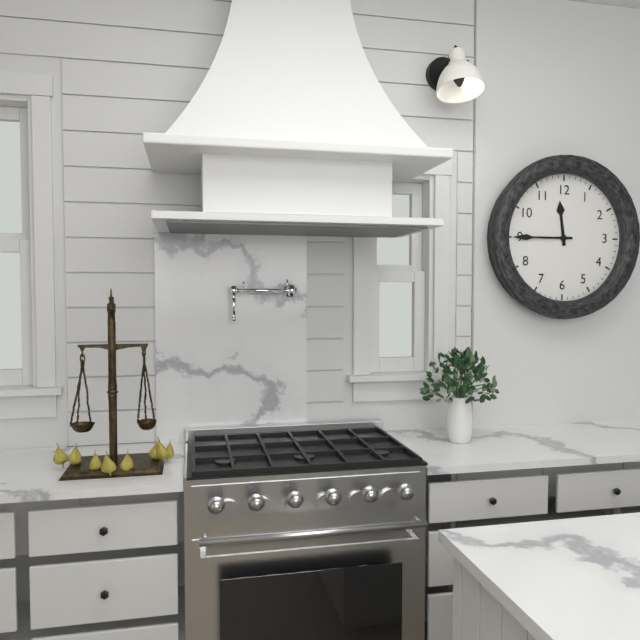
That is 11h45
